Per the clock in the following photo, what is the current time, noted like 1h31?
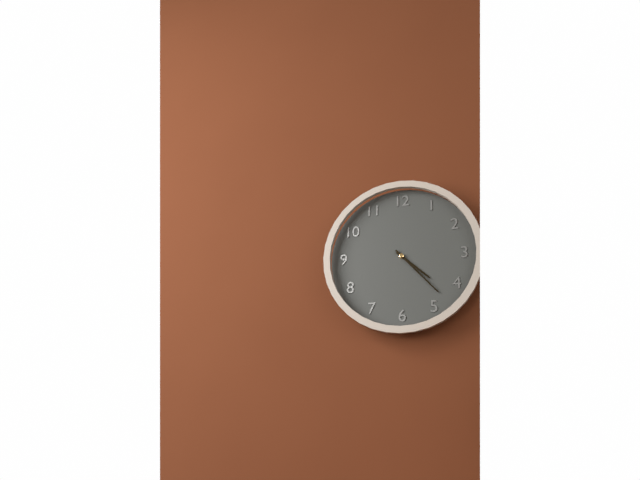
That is 4h23
